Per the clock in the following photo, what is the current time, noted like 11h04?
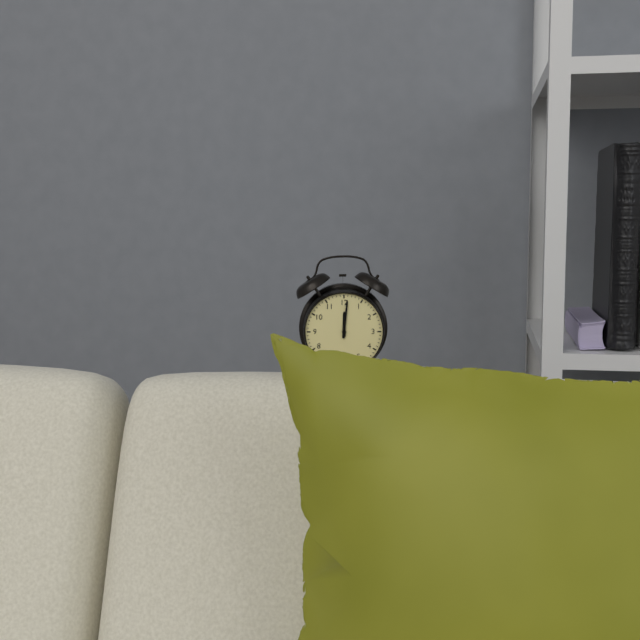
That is 12h01
